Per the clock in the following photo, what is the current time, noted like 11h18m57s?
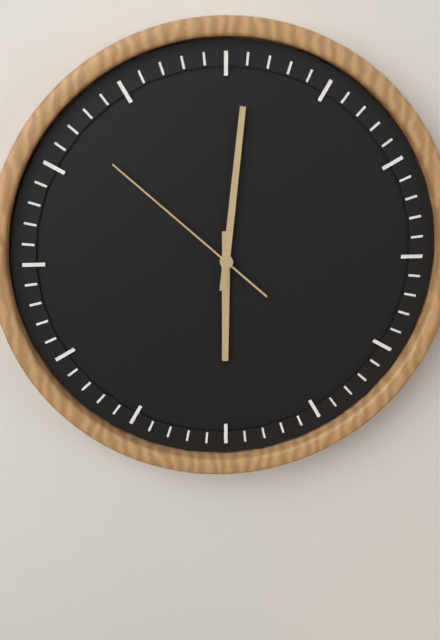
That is 6h01m52s
